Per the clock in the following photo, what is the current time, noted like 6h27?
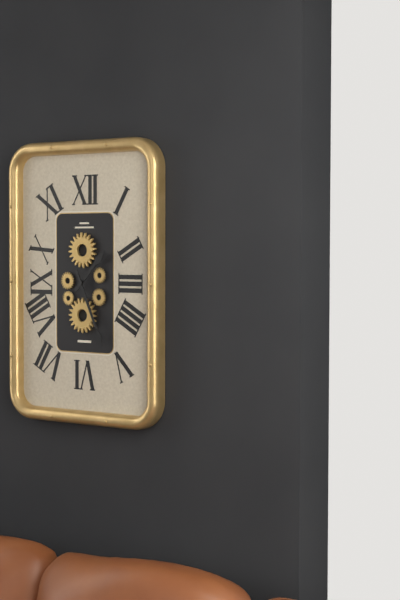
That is 1h26
